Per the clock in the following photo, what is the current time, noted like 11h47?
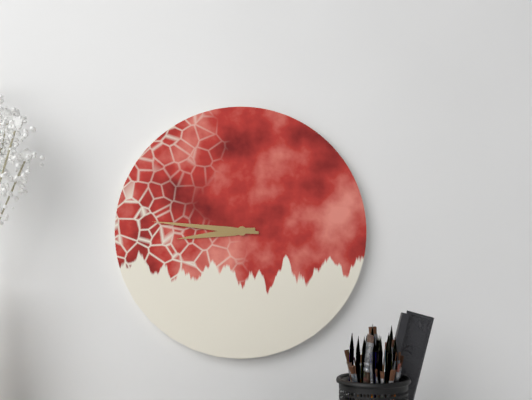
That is 8h46
